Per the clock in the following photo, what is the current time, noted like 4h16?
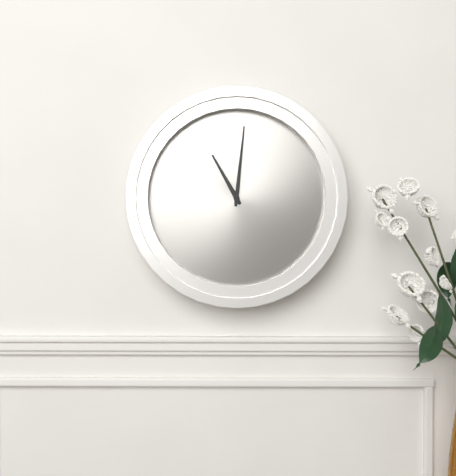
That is 11h01
